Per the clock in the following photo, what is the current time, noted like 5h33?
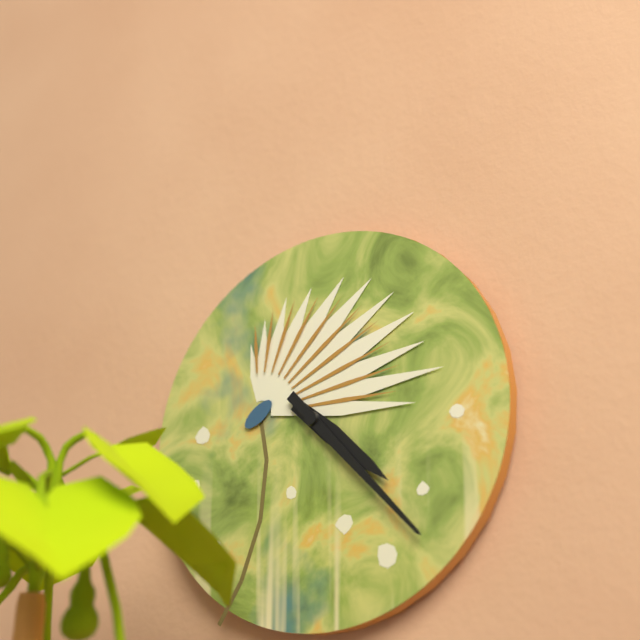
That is 4h23
